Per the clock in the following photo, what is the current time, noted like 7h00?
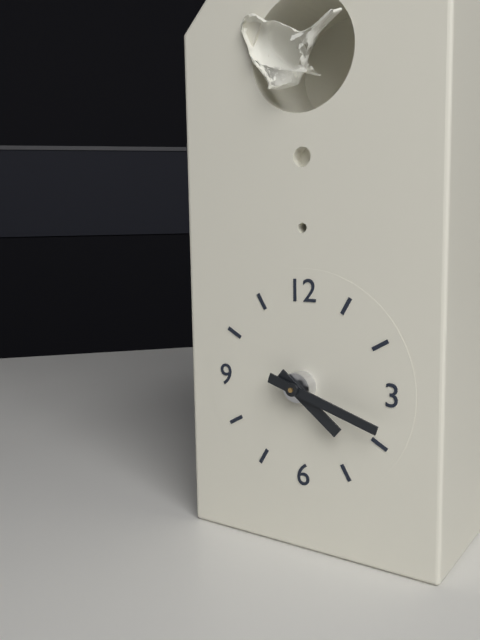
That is 4h18
